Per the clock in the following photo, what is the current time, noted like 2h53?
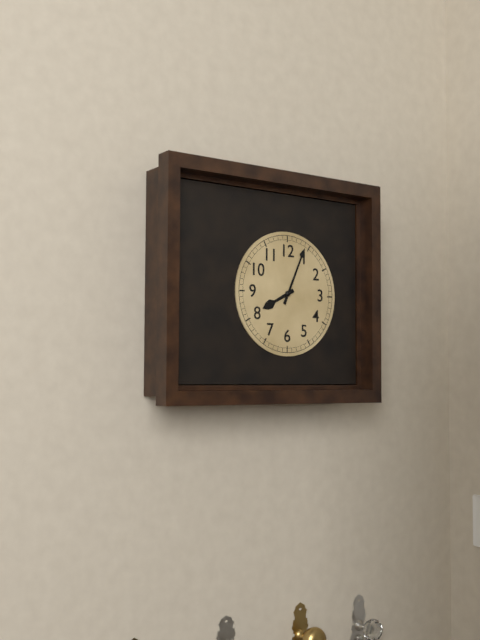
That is 8h04
